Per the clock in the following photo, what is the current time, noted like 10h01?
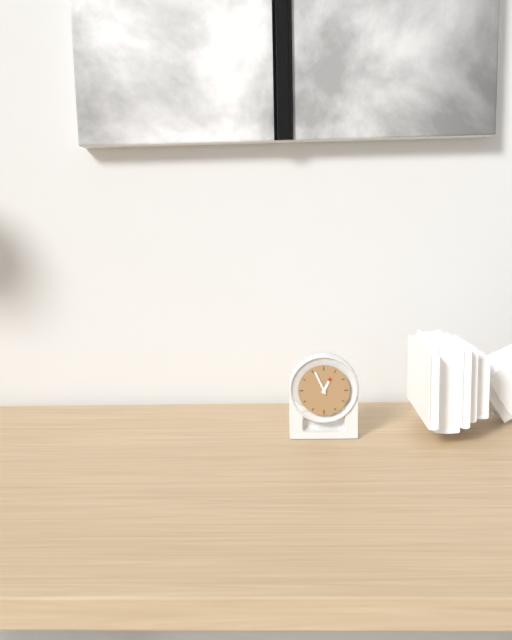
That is 12h56
